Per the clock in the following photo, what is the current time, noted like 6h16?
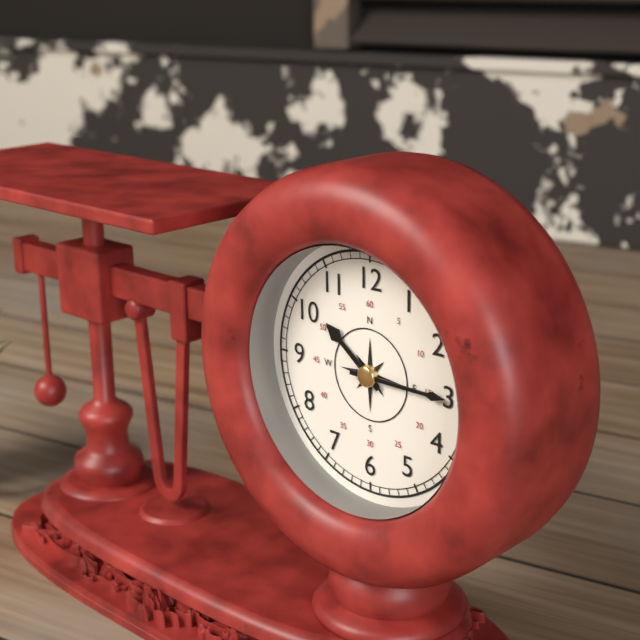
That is 10h15
